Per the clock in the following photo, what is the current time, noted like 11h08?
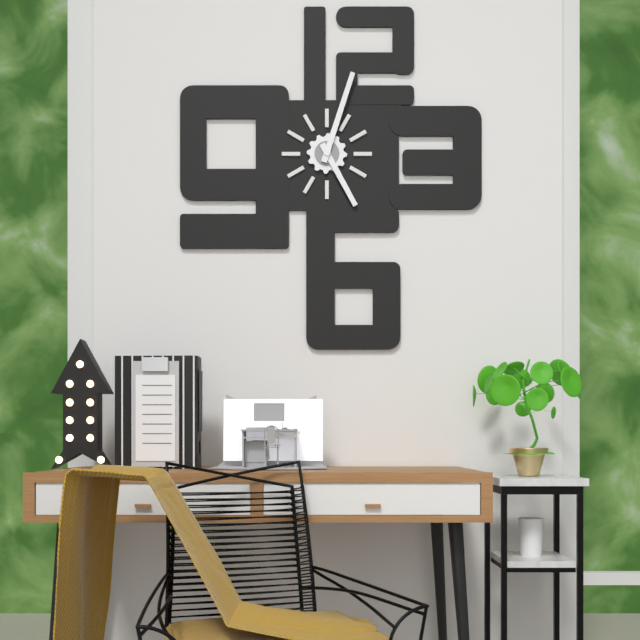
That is 5h03
